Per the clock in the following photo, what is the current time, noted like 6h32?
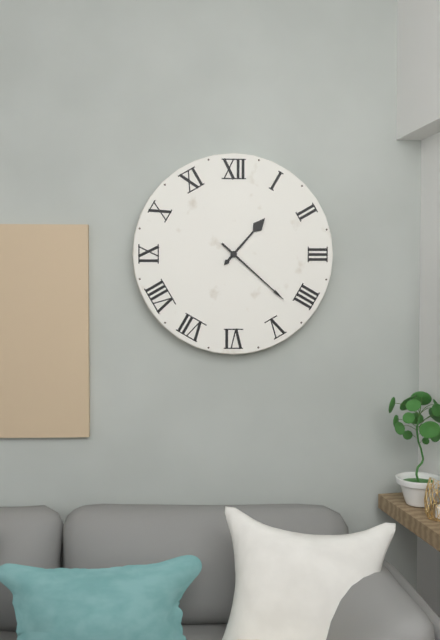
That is 1h22
